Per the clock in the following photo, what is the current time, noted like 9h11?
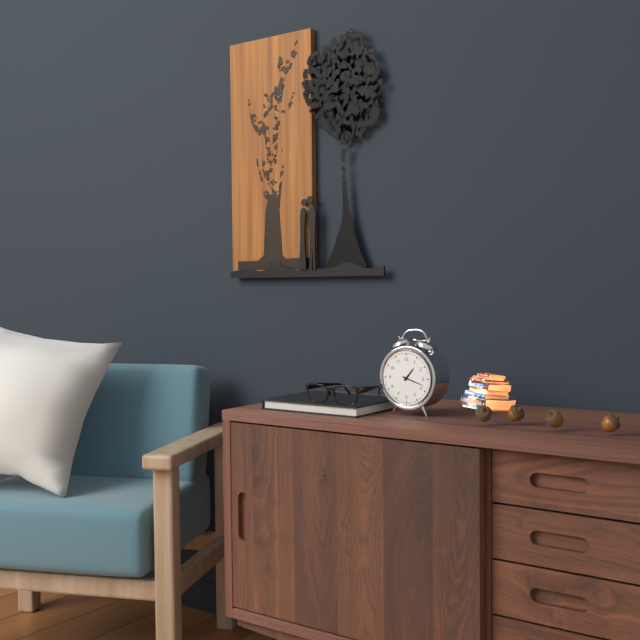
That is 1h18
